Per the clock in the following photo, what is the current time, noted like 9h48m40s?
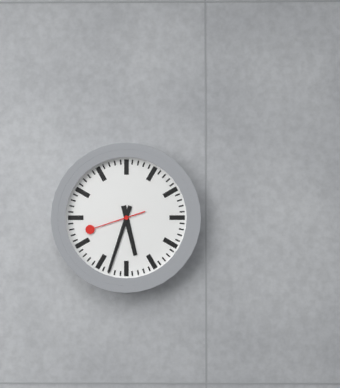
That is 5h33m42s
